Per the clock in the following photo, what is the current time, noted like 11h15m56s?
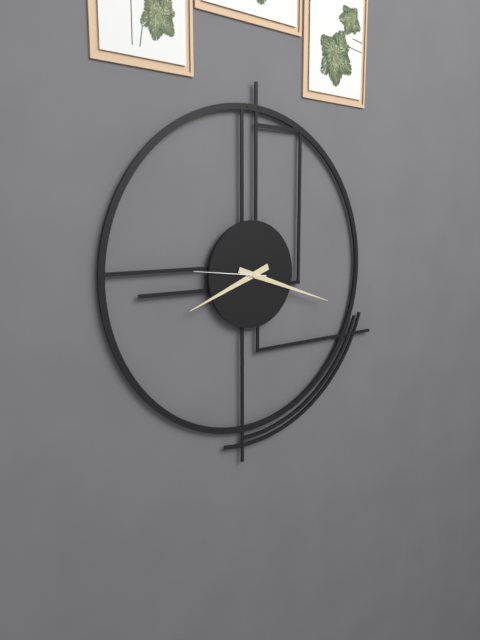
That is 8h18m46s
